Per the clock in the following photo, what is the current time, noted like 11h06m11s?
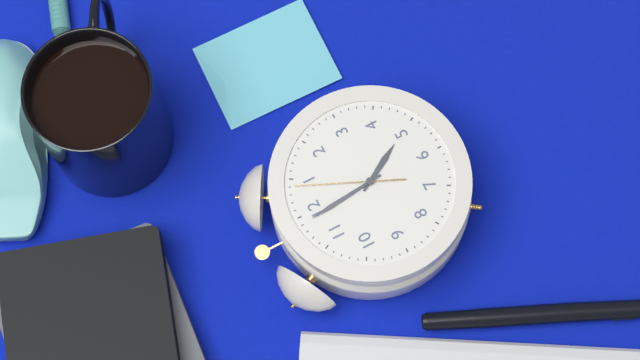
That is 4h59m04s
